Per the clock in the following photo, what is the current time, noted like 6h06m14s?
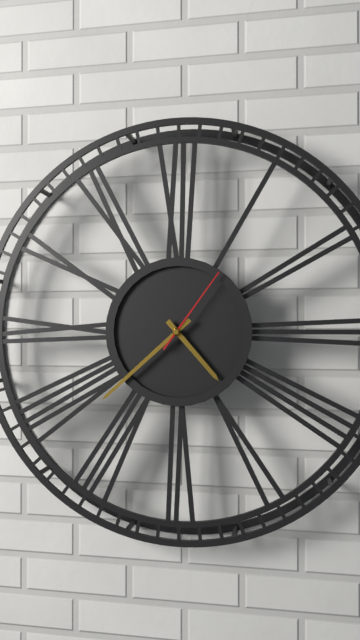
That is 4h38m06s
